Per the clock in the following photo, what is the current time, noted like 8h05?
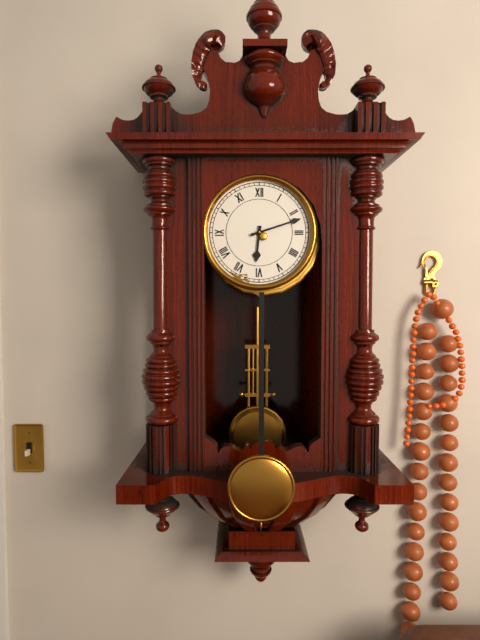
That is 6h12
